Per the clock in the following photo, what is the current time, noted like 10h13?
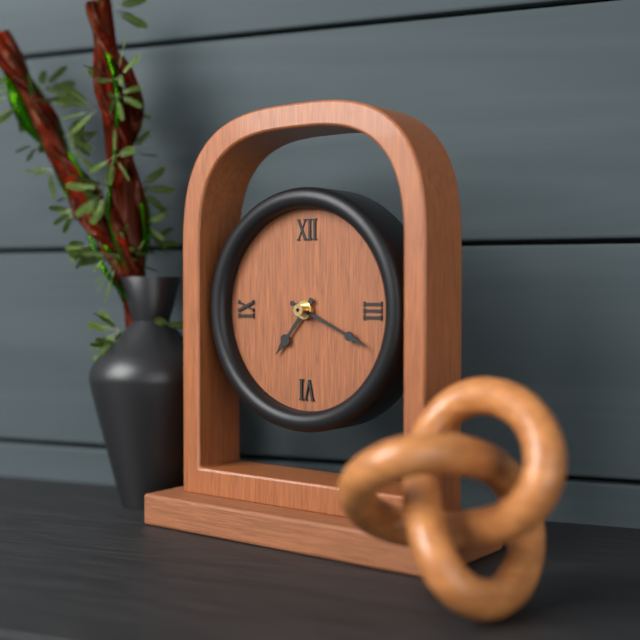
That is 7h19
